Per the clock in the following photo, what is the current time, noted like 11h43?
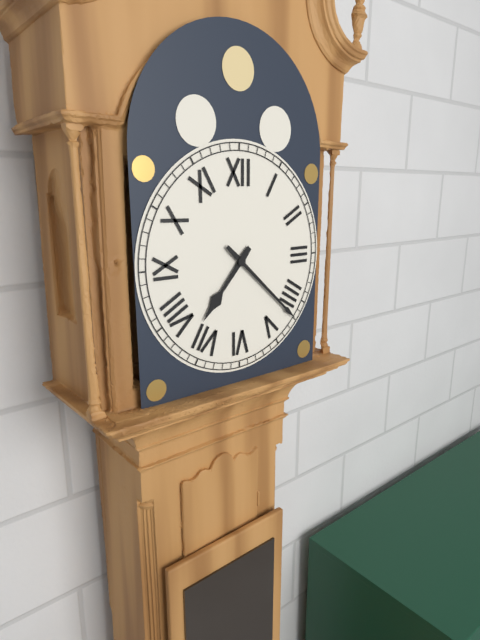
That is 7h22
